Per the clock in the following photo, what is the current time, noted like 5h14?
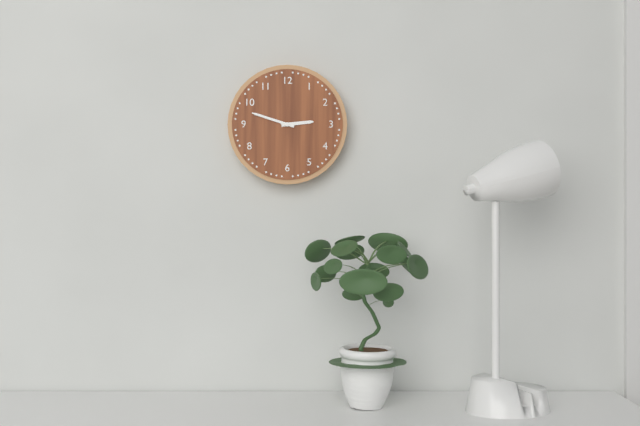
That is 2h48
